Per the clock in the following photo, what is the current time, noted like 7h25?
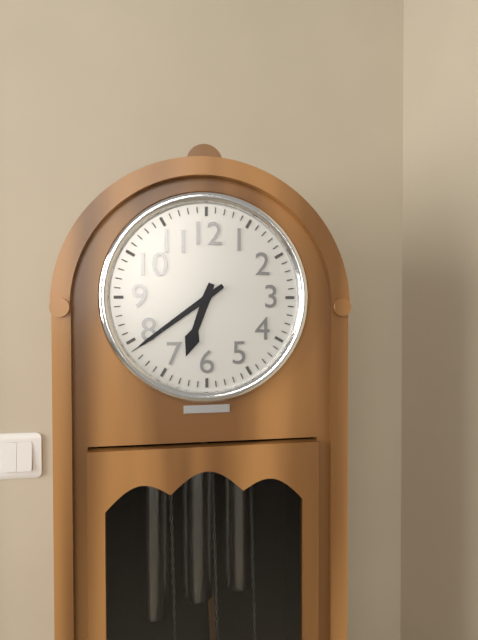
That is 6h39
